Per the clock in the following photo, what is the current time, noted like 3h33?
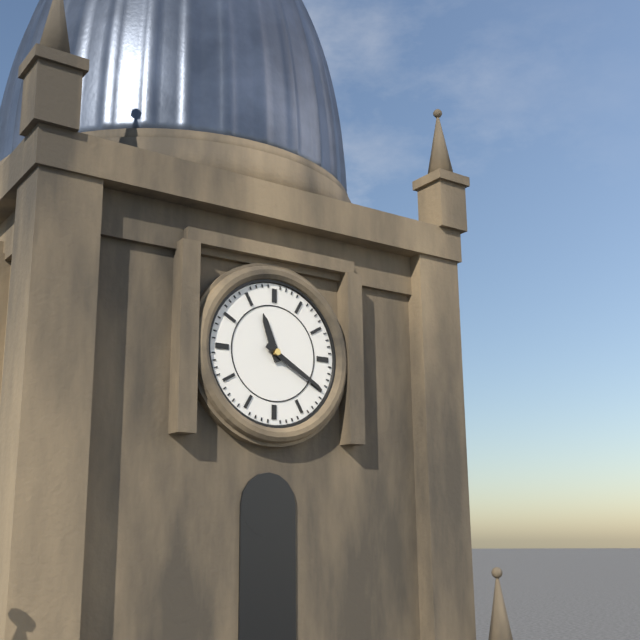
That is 11h20
